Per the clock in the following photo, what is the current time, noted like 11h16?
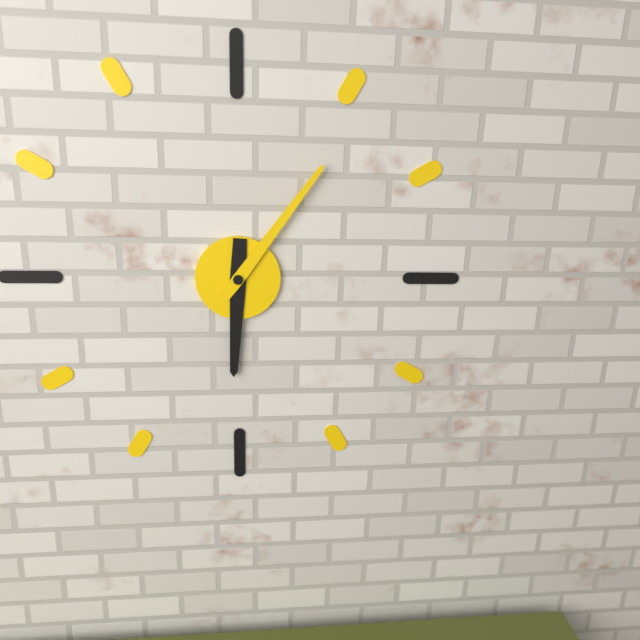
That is 6h06
